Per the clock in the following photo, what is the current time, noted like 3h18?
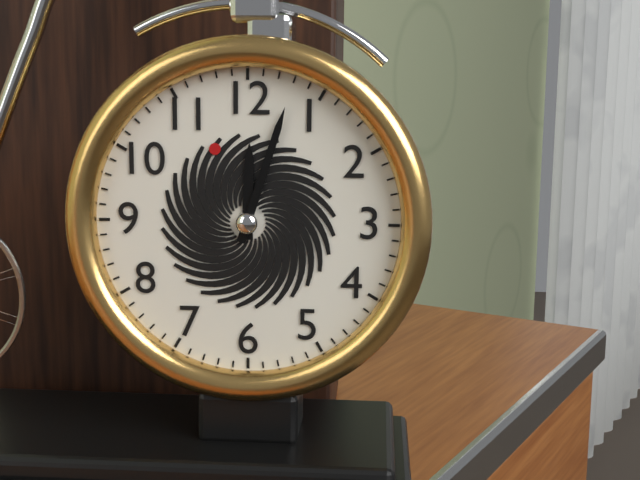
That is 12h03
